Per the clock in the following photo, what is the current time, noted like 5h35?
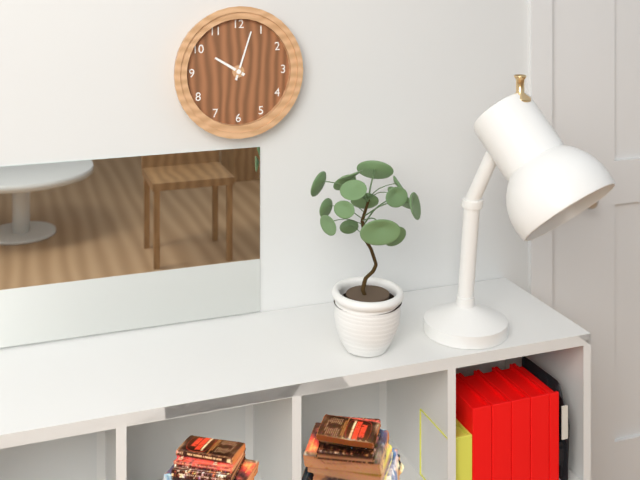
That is 10h03
